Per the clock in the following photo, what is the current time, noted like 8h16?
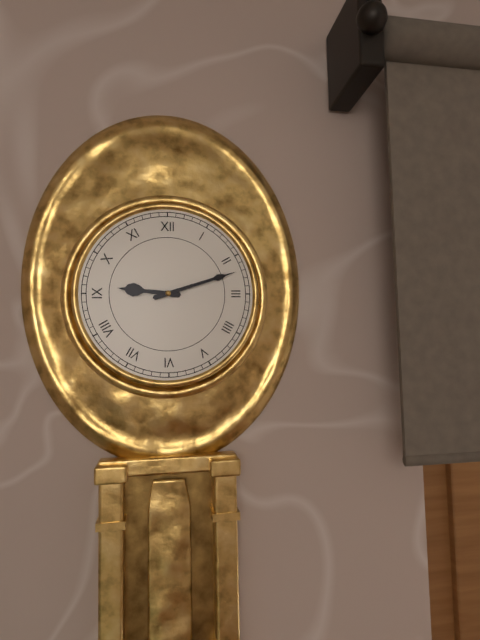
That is 9h12
